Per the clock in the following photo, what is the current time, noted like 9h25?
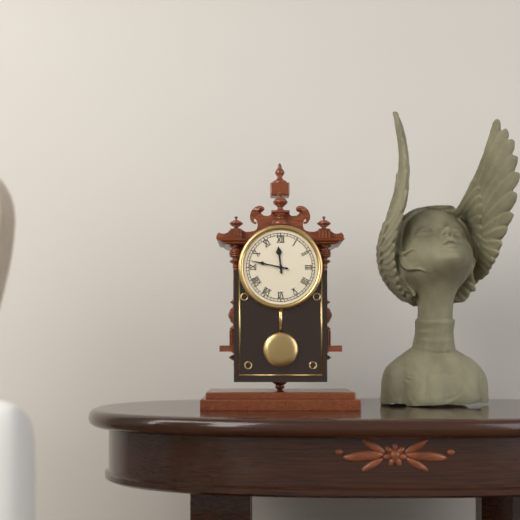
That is 11h47
